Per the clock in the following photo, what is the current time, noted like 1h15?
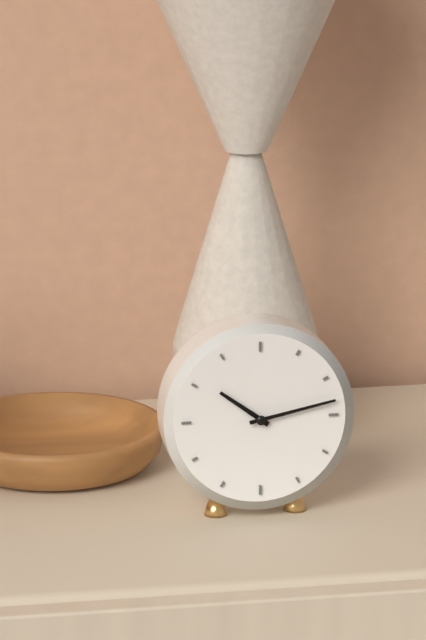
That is 10h13
